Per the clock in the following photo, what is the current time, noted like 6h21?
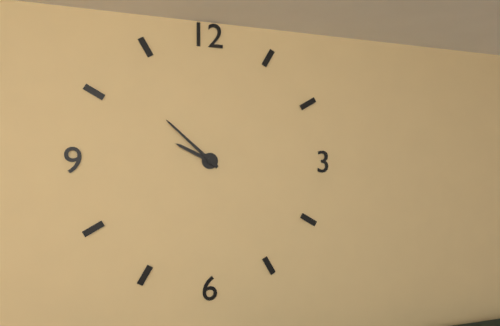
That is 9h52
